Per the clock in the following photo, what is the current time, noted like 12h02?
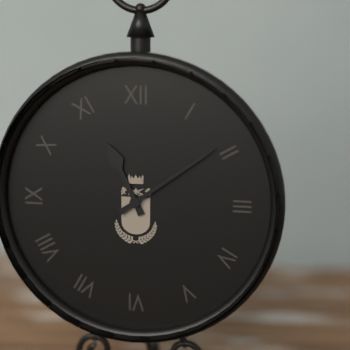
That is 11h09
